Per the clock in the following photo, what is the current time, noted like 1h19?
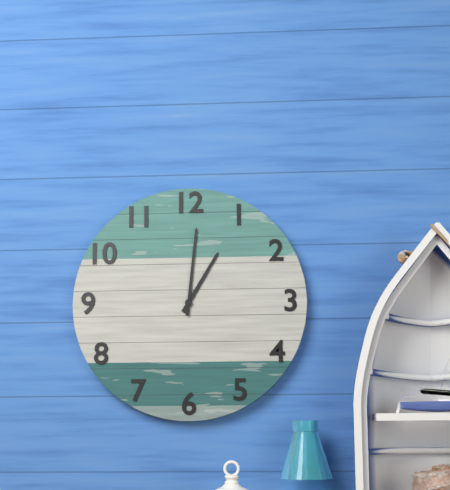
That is 1h01
